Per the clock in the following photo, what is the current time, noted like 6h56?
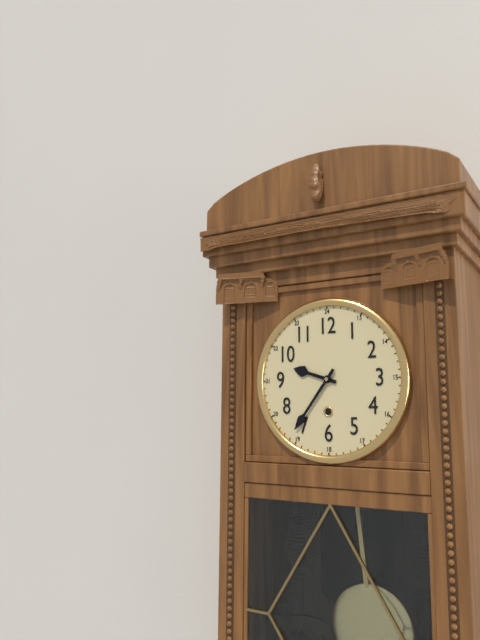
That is 9h36
